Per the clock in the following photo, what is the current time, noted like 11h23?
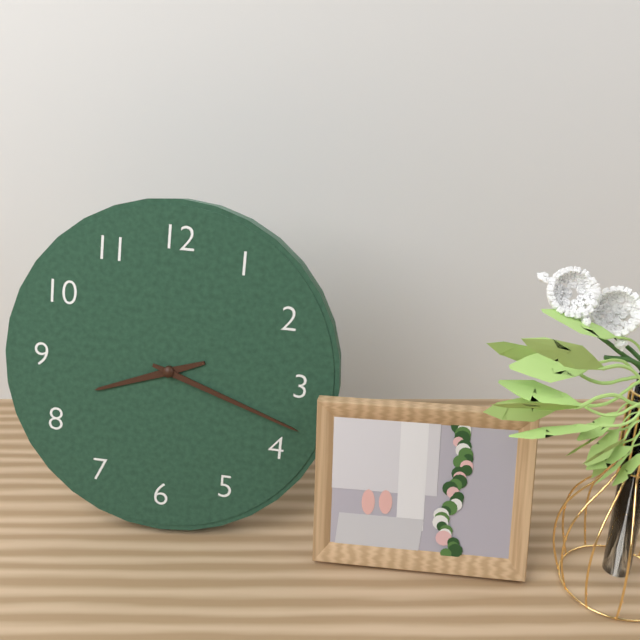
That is 8h18
